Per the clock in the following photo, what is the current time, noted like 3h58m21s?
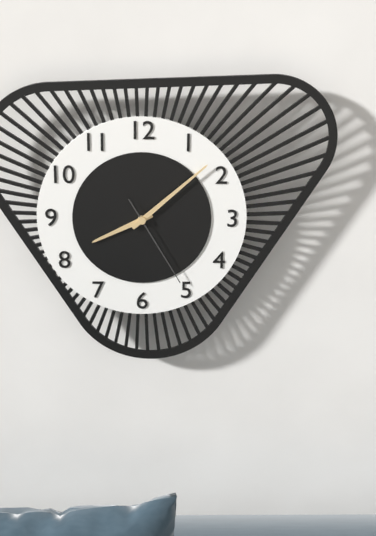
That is 8h08m25s
